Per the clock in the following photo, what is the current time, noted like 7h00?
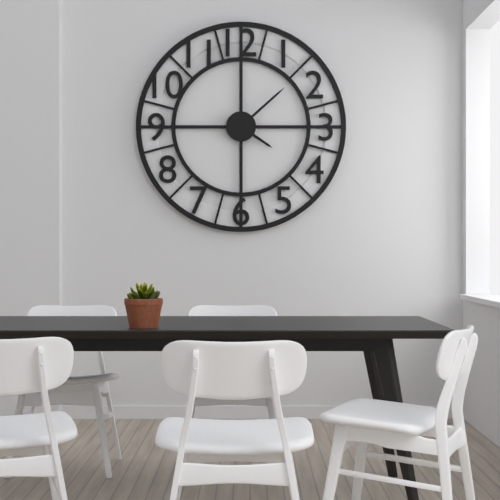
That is 4h08
